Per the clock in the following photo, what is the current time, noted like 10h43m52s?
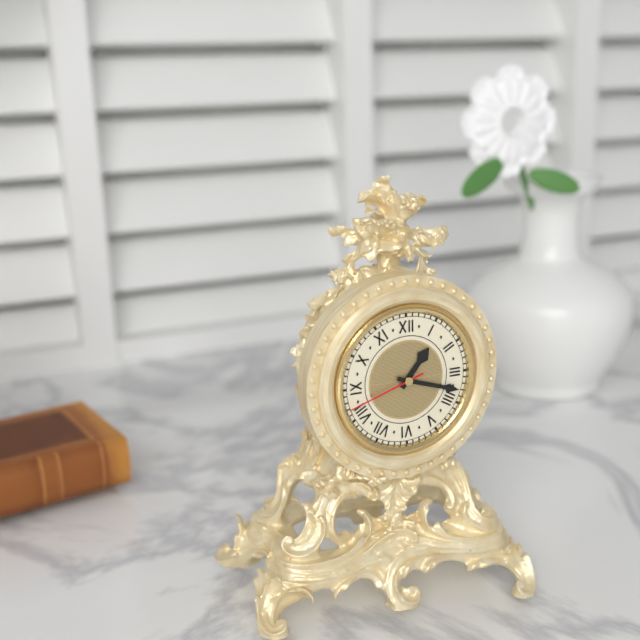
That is 1h18m42s
